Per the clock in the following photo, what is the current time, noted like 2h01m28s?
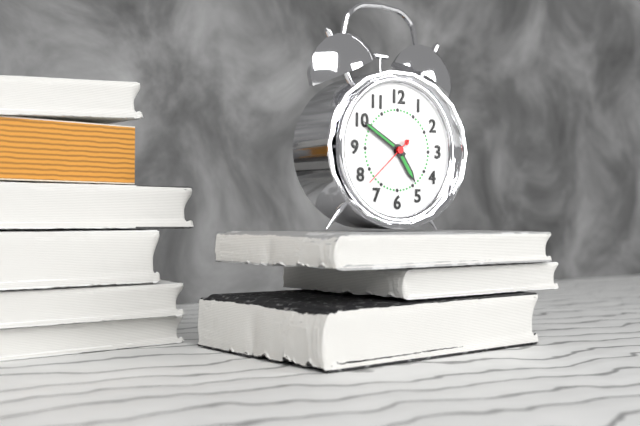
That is 4h50m38s
